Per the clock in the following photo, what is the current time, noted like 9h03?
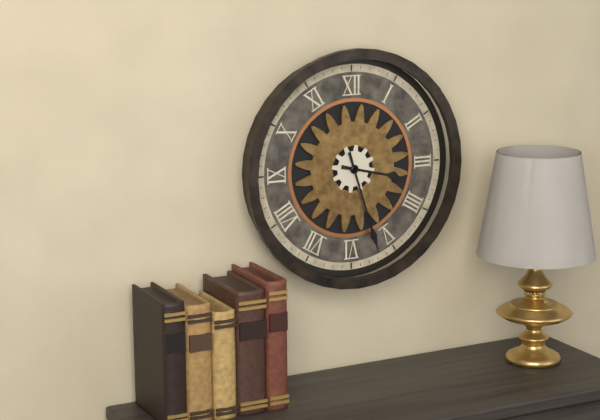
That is 3h27
